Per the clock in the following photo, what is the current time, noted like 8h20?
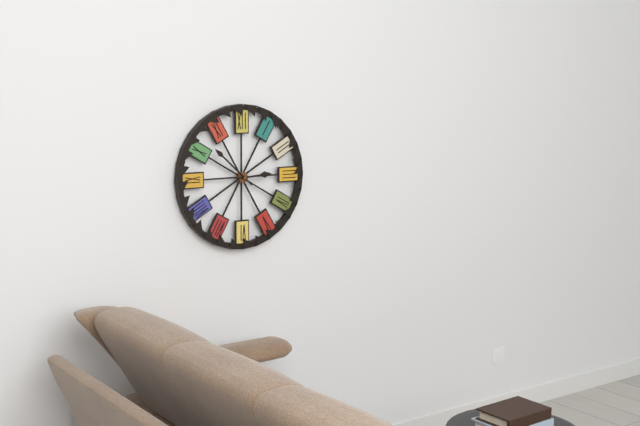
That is 2h52
